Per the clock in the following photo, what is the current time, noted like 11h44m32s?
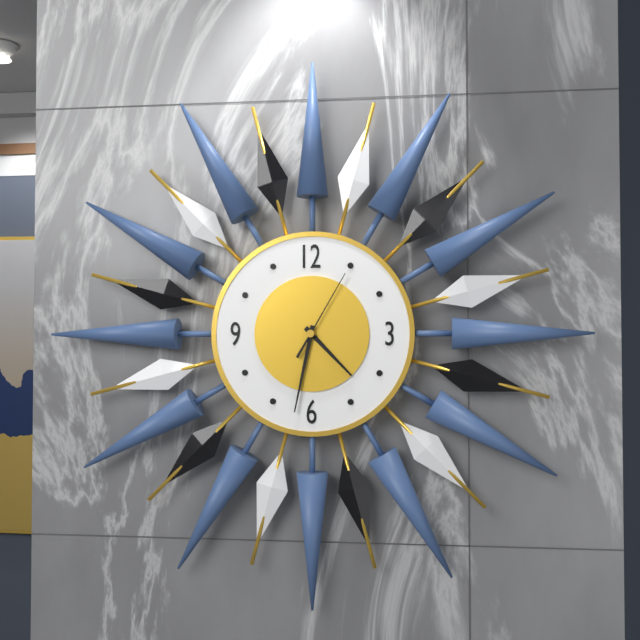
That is 4h32m05s
